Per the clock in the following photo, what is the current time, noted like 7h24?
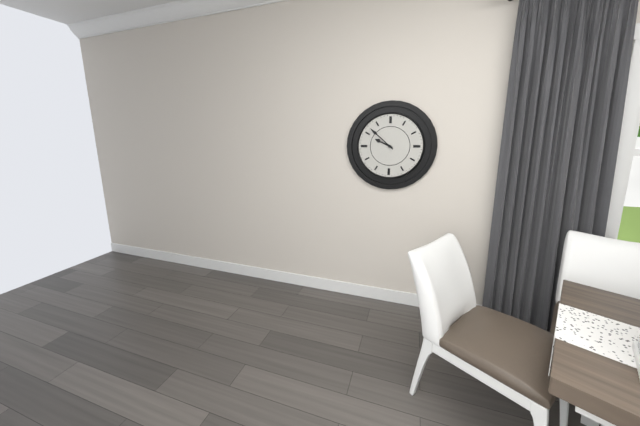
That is 9h52
